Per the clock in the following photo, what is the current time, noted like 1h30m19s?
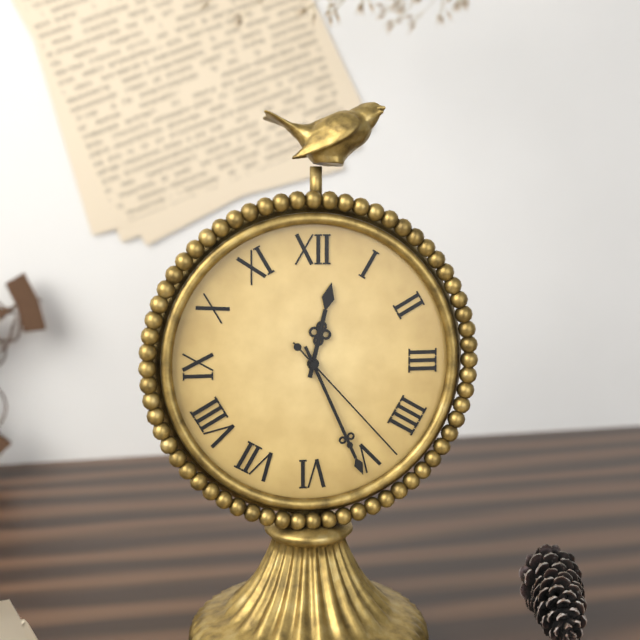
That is 12h26m23s
